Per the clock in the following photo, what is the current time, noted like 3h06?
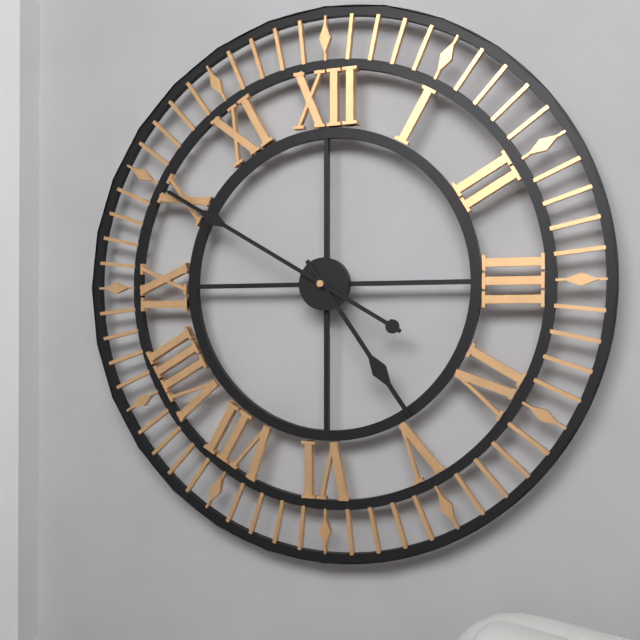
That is 4h50
